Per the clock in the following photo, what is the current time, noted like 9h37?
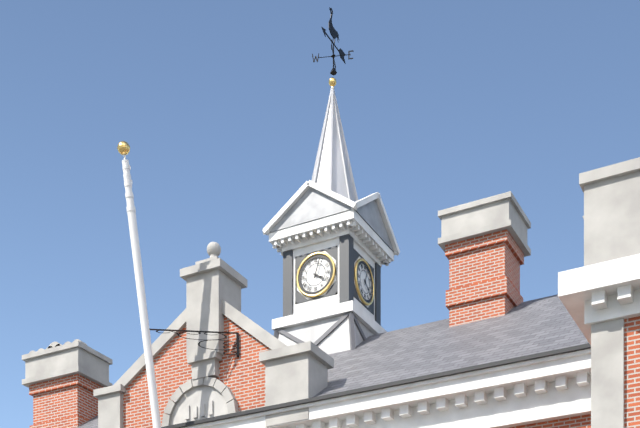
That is 4h03
